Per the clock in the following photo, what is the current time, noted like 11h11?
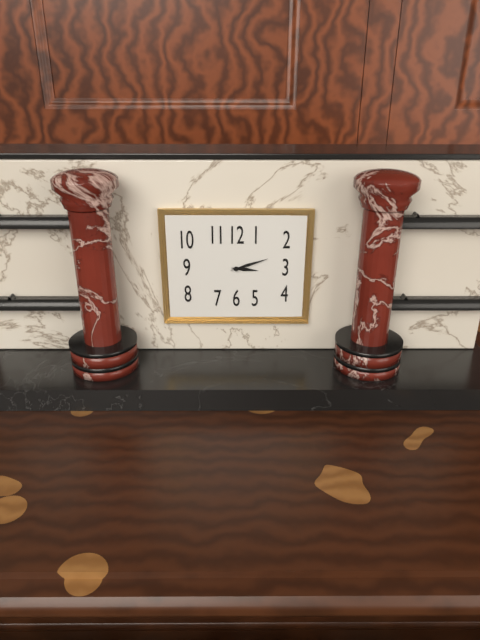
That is 3h12
